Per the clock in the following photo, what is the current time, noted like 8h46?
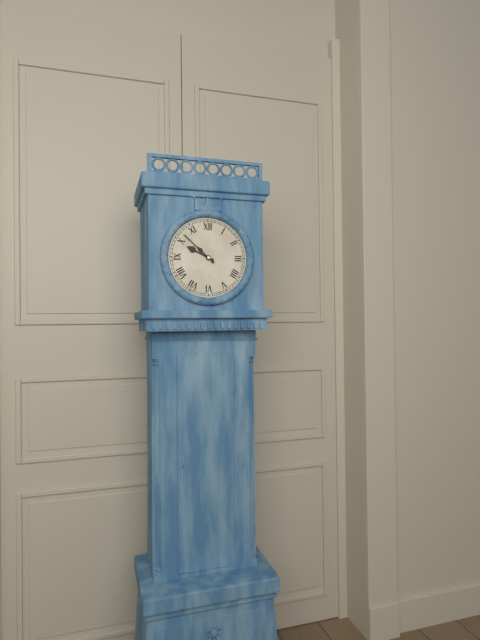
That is 9h52
